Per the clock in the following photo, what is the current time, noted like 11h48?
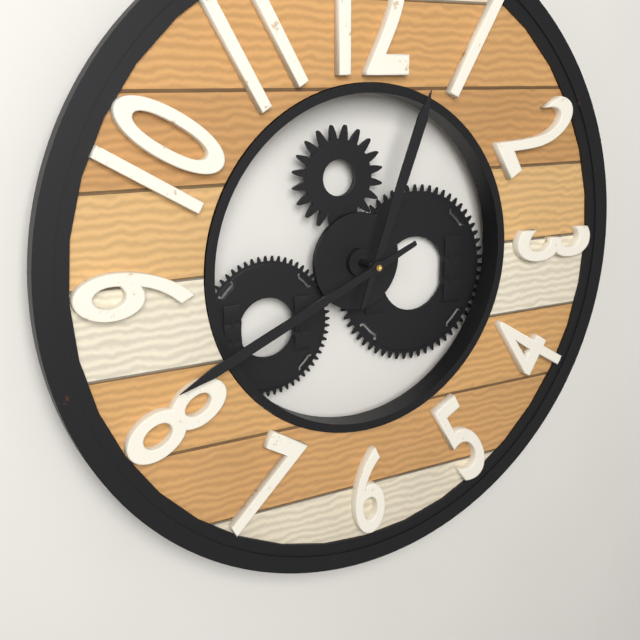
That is 12h41
